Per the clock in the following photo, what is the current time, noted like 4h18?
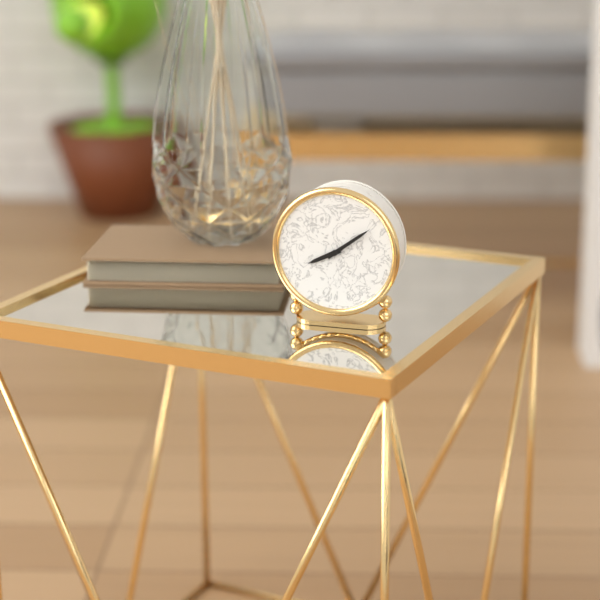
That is 8h09
